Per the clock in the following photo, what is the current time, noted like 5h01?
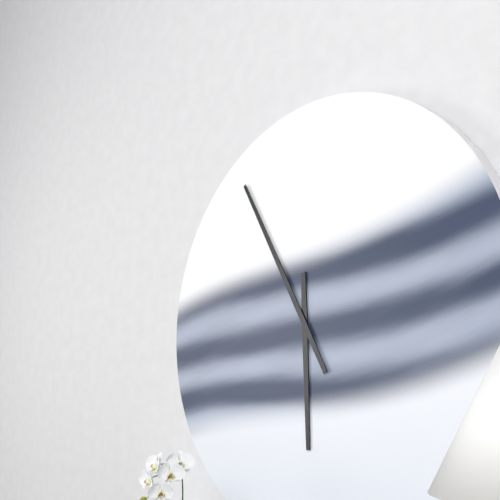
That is 5h55
